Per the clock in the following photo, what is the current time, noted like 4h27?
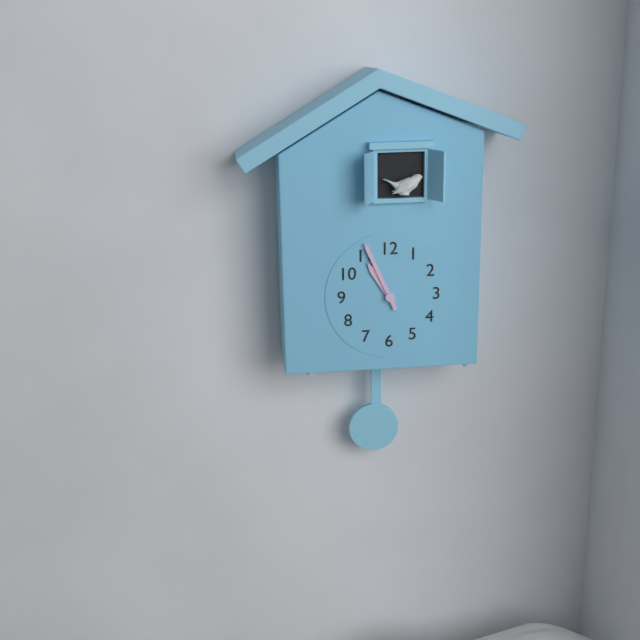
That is 10h56
